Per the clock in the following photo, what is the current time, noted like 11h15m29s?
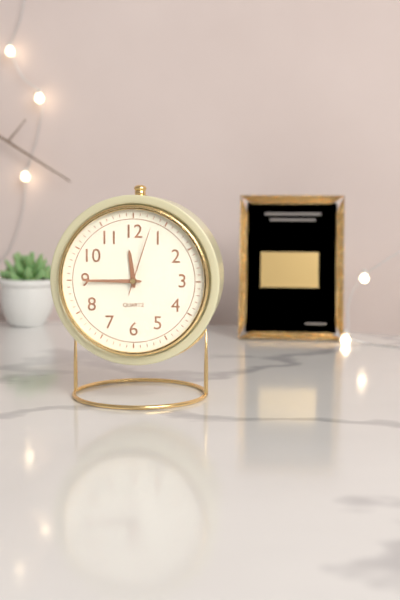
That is 11h45m03s
